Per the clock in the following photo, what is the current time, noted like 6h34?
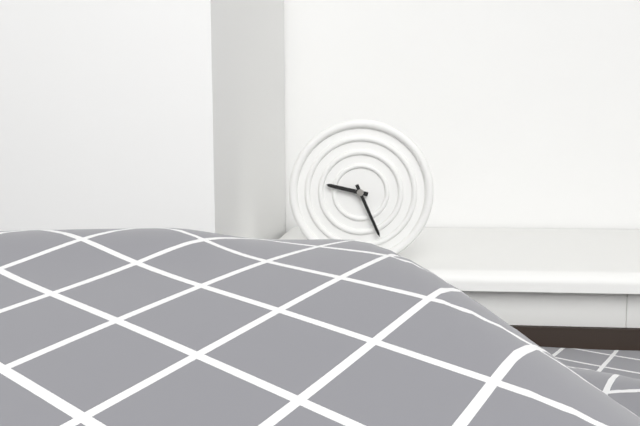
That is 9h26
